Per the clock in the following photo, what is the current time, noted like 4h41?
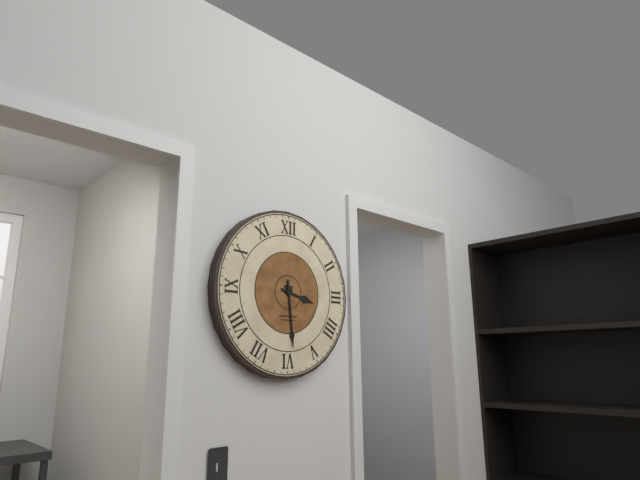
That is 3h29
